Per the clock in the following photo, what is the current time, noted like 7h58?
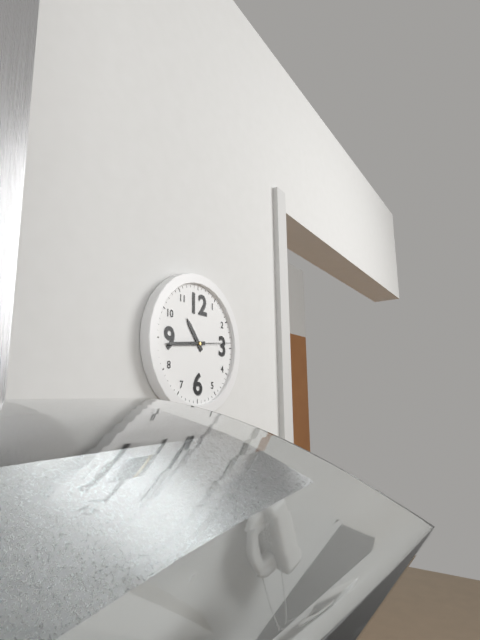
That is 10h44
